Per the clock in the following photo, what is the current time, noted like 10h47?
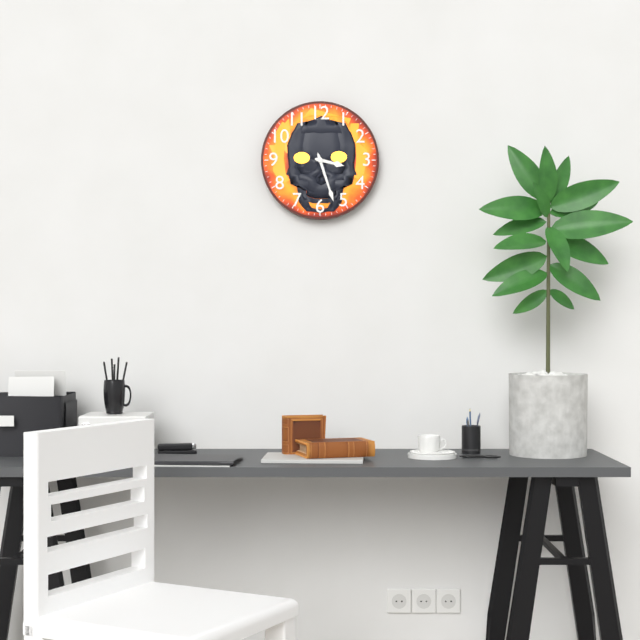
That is 3h27
